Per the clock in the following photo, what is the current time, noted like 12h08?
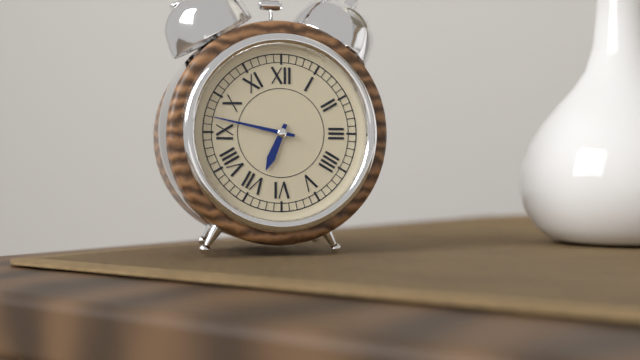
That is 6h47
